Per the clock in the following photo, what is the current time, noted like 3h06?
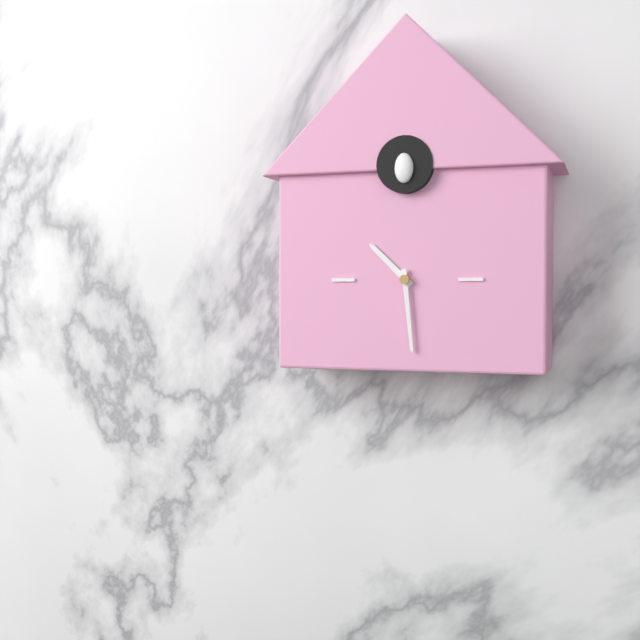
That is 10h29
